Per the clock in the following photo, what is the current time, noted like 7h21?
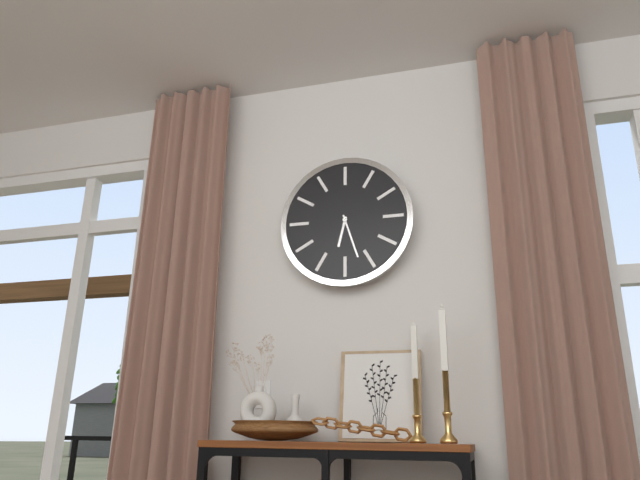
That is 6h27
